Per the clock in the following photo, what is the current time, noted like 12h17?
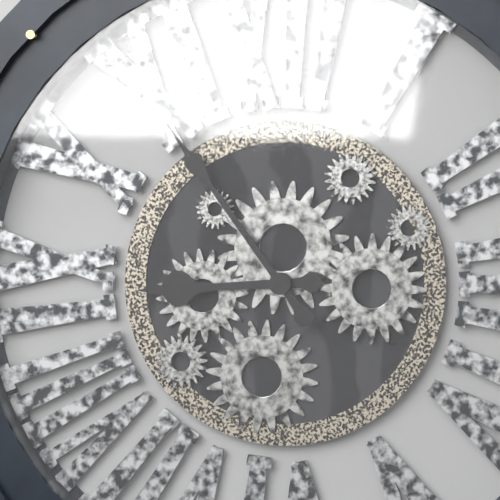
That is 8h54
